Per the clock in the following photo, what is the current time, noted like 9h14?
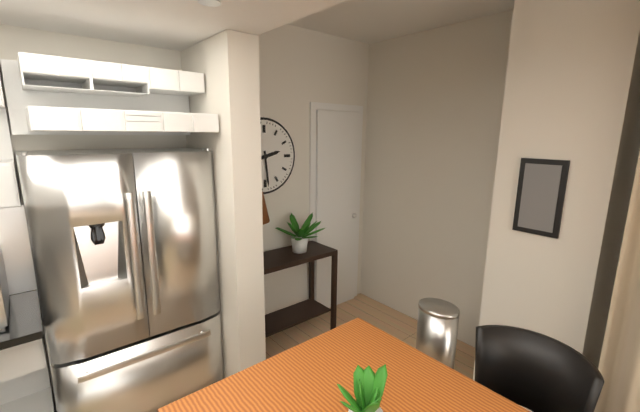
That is 2h29
